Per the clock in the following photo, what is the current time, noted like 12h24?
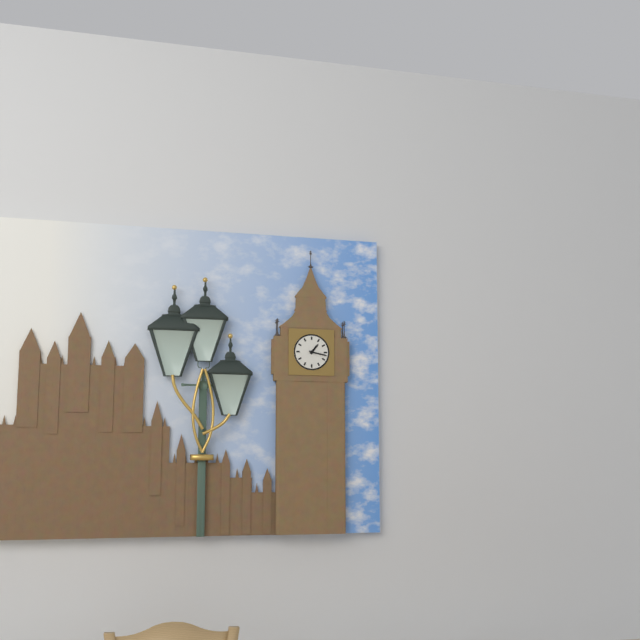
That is 1h17
